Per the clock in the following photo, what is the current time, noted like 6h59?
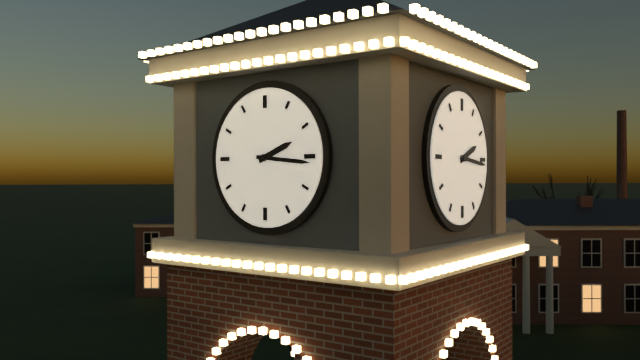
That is 2h16
